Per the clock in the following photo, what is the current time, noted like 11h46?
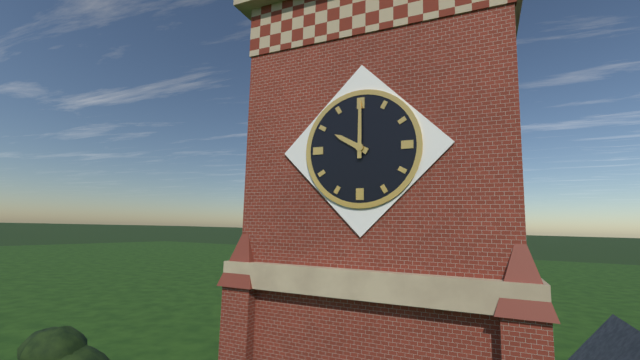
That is 10h00
